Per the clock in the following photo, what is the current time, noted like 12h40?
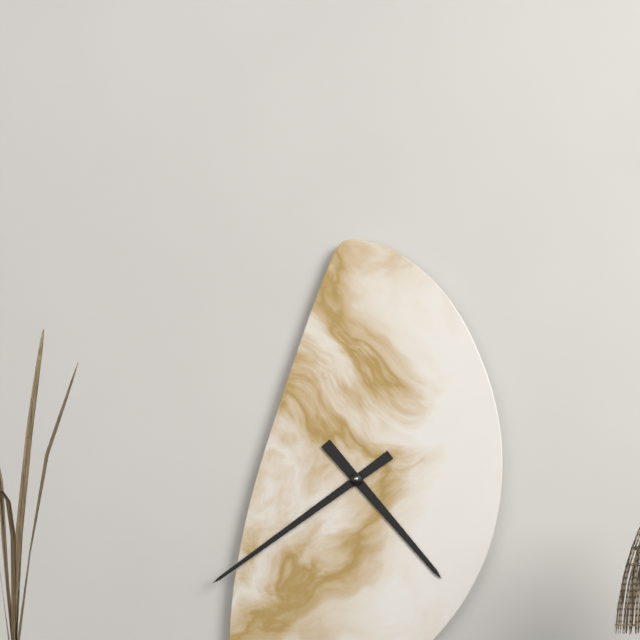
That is 4h39
